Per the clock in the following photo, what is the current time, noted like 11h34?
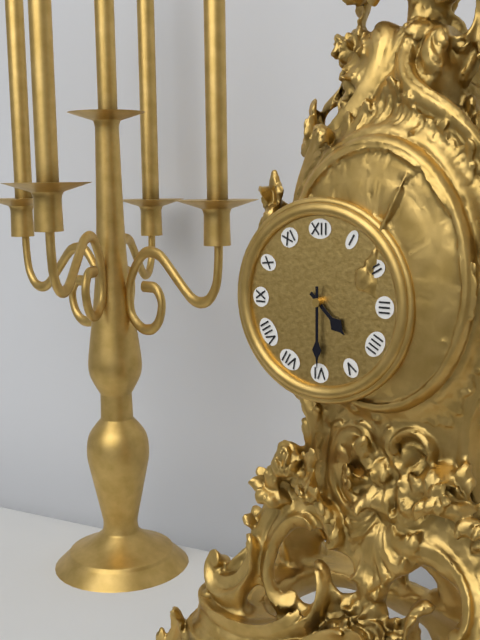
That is 4h30
